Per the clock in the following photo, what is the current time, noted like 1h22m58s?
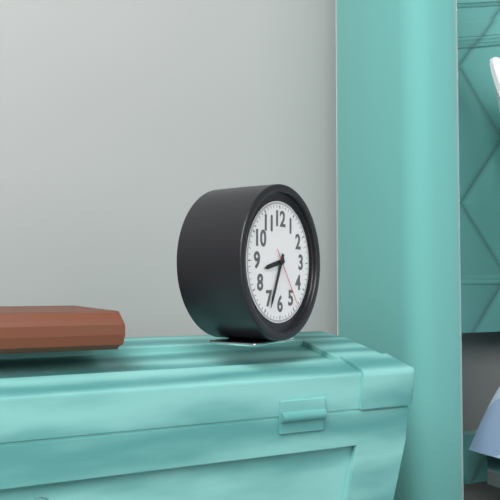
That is 8h34m24s
